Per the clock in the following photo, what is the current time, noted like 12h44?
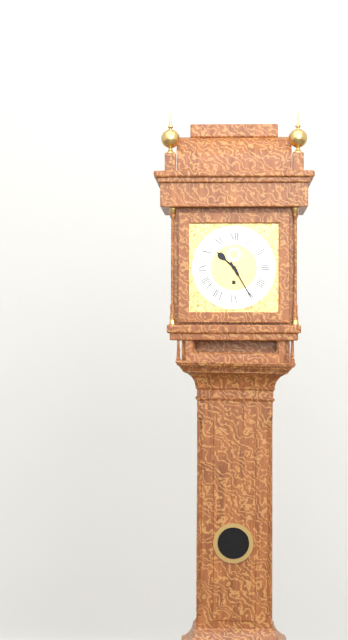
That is 10h25
